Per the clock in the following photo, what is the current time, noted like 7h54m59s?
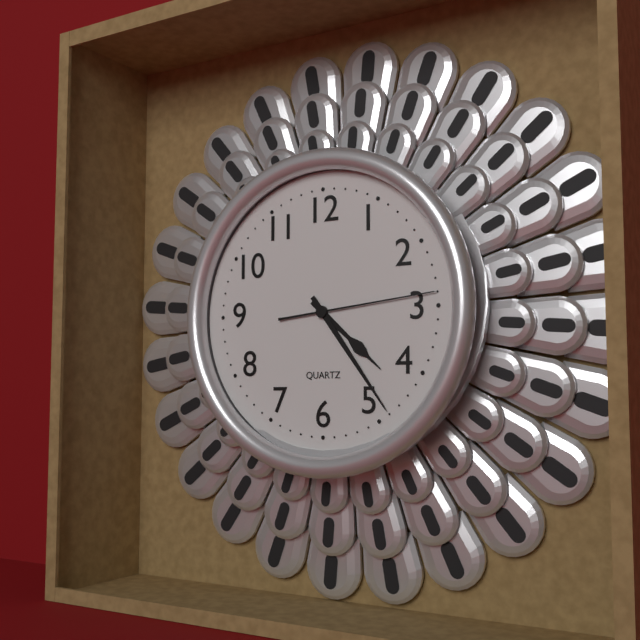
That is 4h24m14s
